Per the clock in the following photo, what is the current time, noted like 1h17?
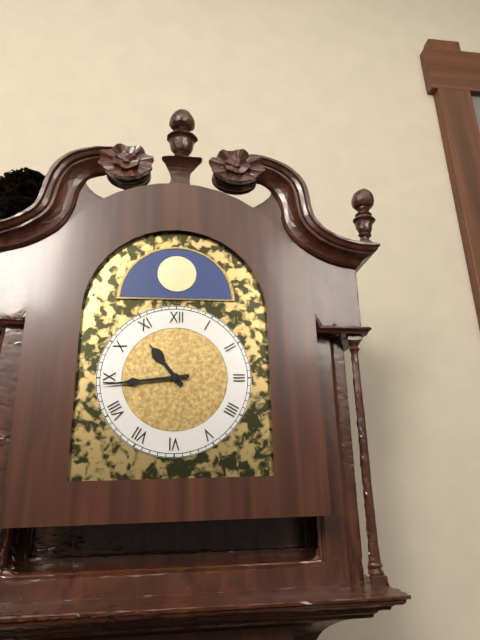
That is 10h44
